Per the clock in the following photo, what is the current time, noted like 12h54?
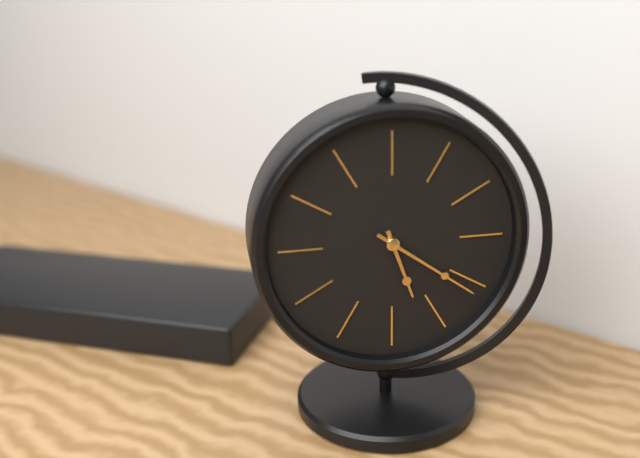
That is 5h21
